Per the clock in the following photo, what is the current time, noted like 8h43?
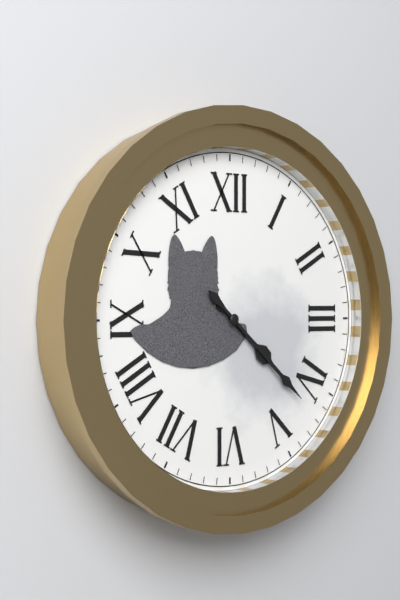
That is 4h22
